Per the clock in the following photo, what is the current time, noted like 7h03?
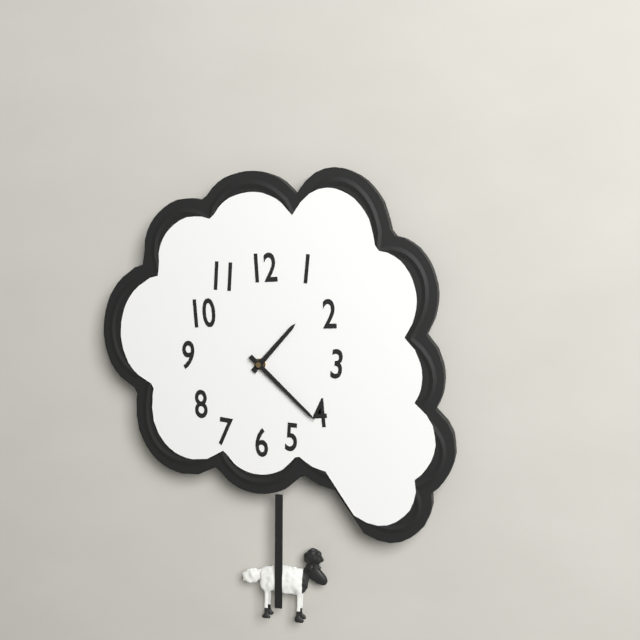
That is 1h22
